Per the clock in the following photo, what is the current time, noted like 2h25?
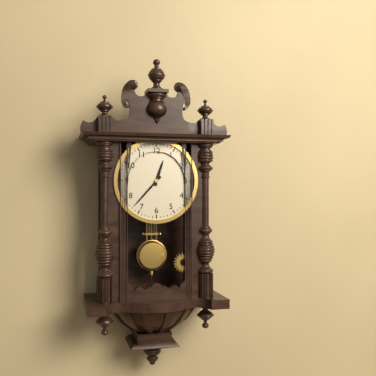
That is 12h37
